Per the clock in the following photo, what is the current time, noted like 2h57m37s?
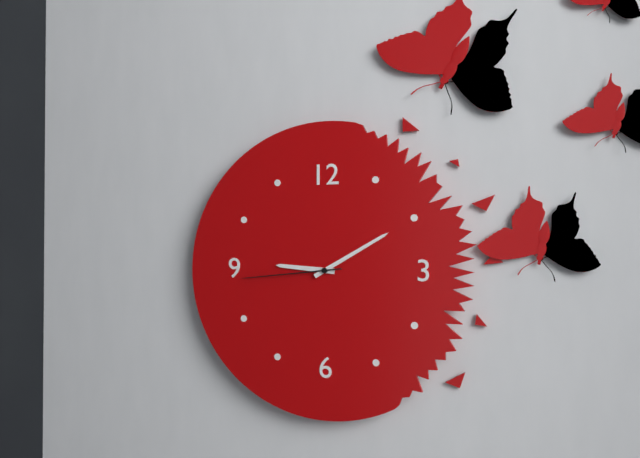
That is 9h10m44s
